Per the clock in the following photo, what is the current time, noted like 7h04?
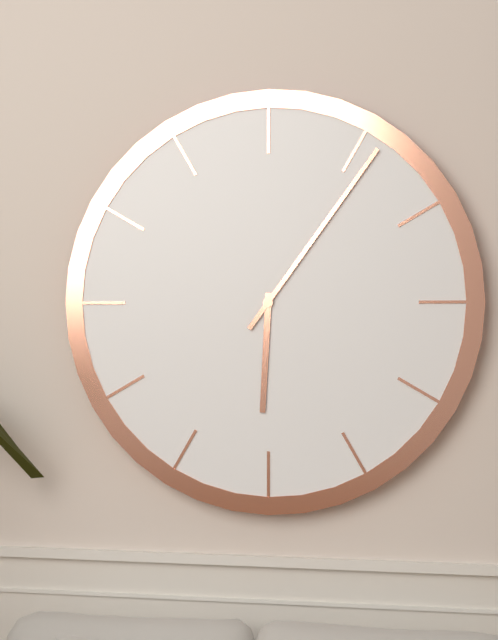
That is 6h06
